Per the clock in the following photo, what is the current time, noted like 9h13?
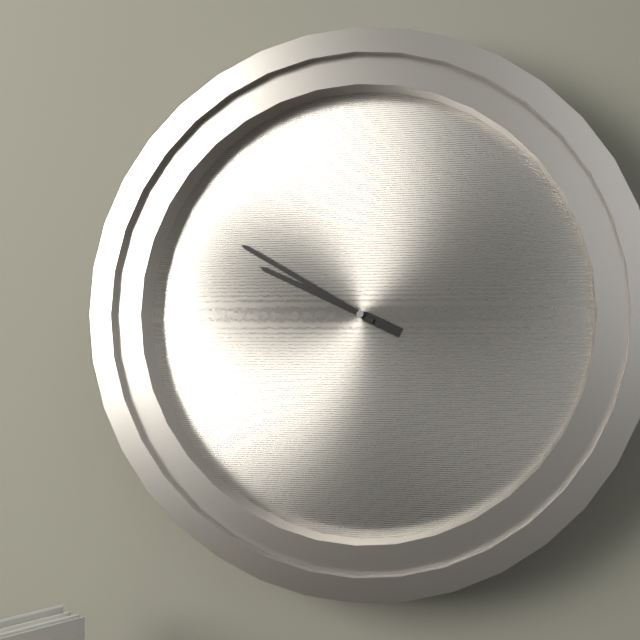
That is 9h50
